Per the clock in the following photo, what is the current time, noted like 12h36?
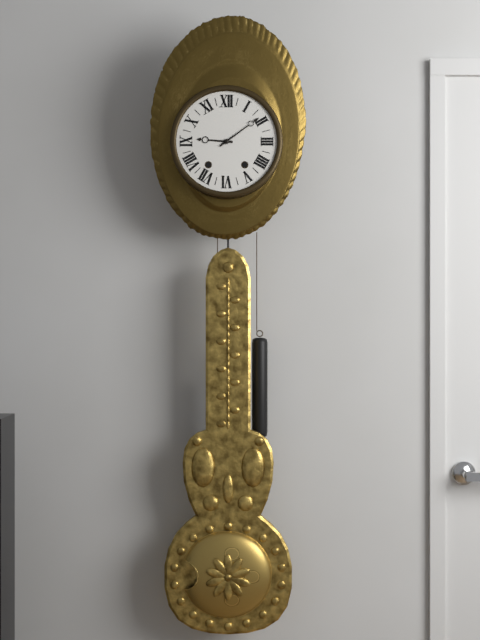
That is 9h09
